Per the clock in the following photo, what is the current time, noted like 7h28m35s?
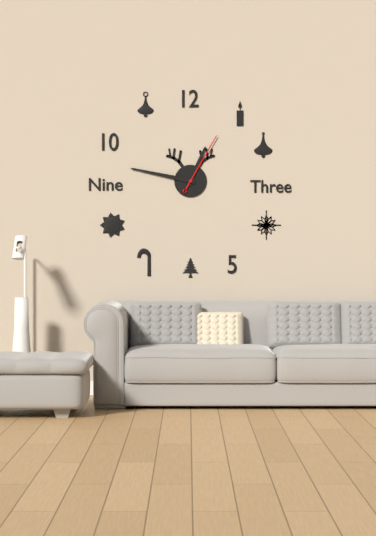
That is 12h47m05s
